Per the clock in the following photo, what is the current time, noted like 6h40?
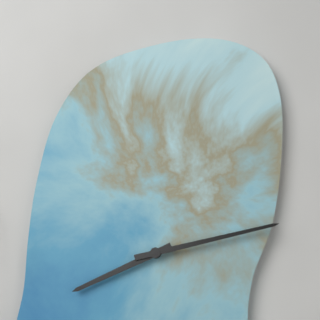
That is 8h13
